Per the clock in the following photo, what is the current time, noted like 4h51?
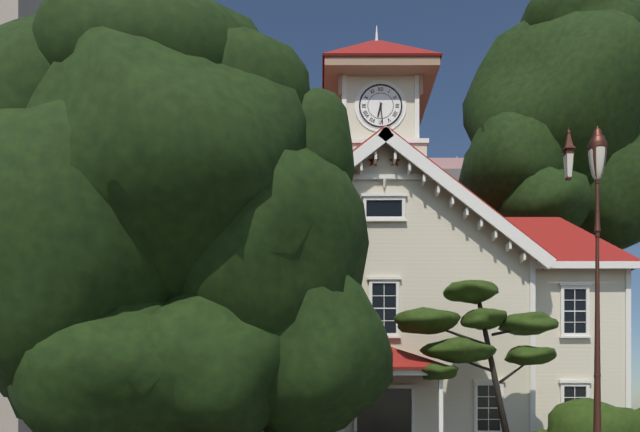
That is 6h29
